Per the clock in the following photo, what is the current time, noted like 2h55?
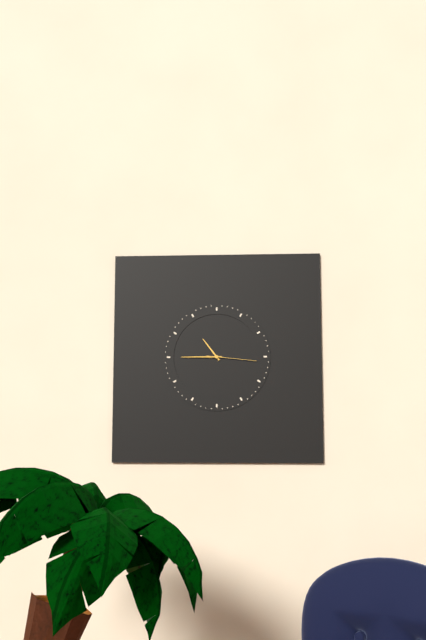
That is 10h45
